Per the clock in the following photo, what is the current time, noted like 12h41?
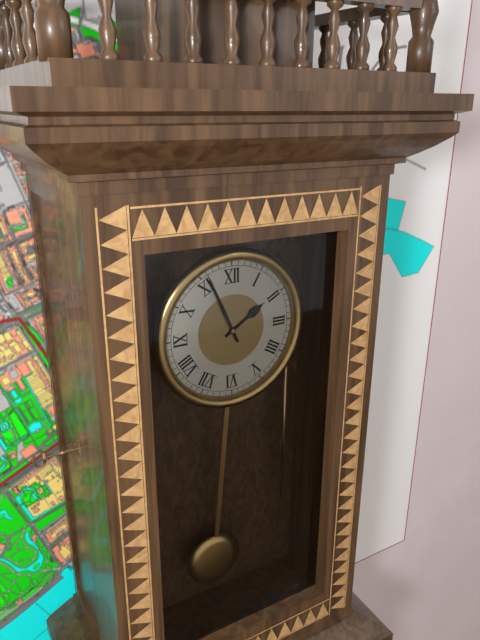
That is 1h56
